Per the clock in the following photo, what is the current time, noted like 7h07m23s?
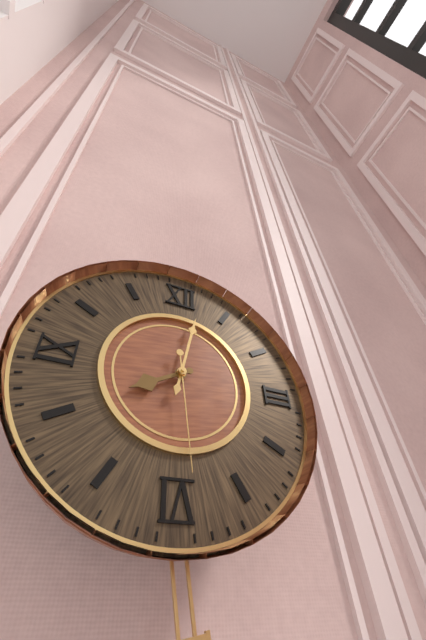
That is 8h02m29s
